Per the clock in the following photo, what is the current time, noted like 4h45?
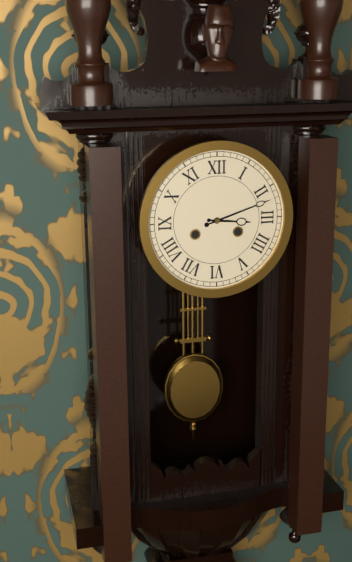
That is 3h12
